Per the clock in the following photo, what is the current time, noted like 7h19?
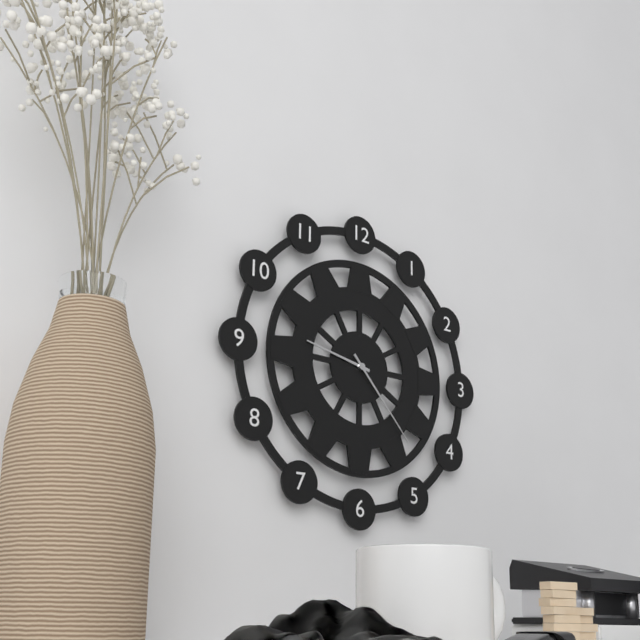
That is 9h23
